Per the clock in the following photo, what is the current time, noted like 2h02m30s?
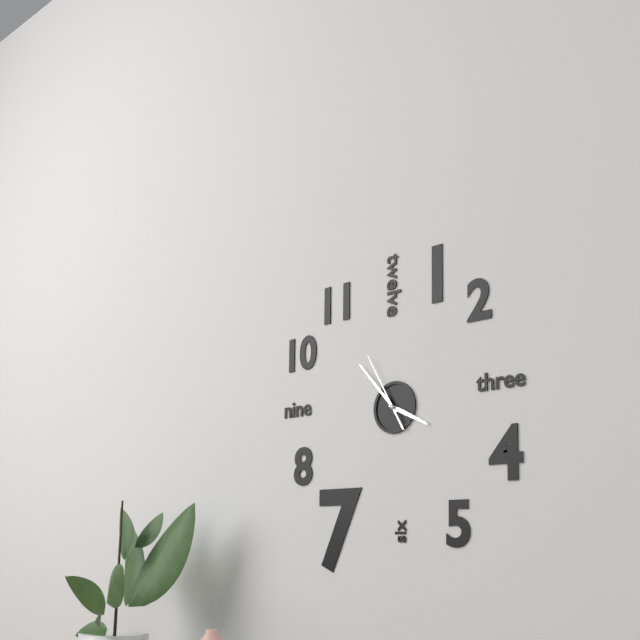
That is 3h53m55s
